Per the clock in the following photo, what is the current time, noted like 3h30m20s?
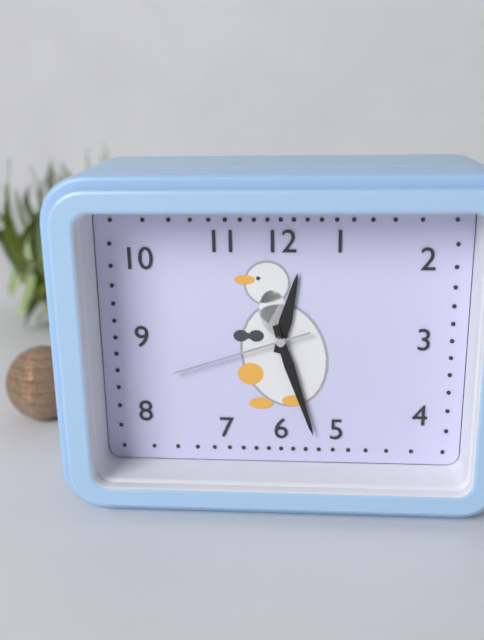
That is 12h27m42s
